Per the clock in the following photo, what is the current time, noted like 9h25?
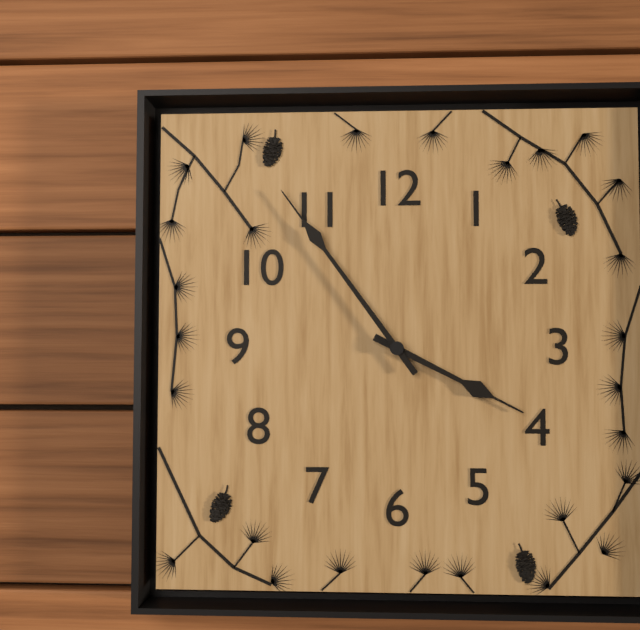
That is 3h54
